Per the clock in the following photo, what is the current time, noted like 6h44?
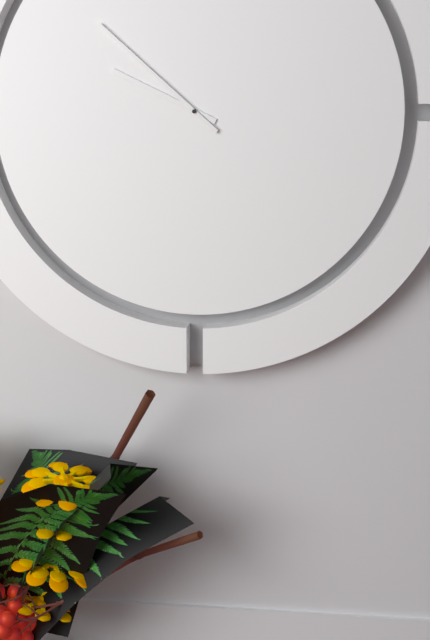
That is 9h52
